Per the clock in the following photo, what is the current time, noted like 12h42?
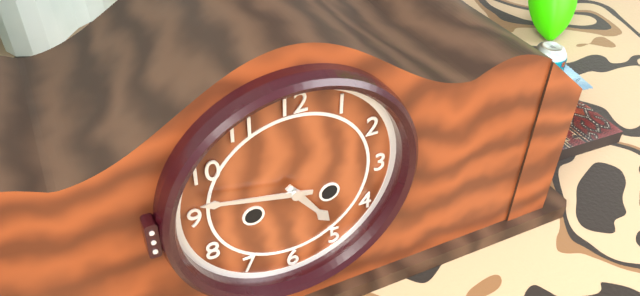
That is 4h47
